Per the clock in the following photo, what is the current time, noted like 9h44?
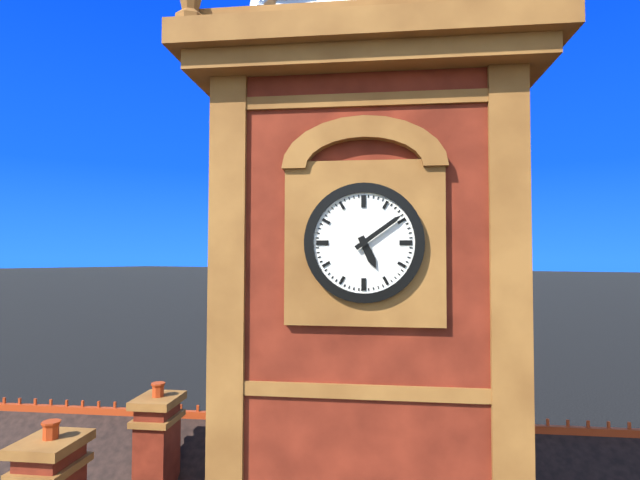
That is 5h09
